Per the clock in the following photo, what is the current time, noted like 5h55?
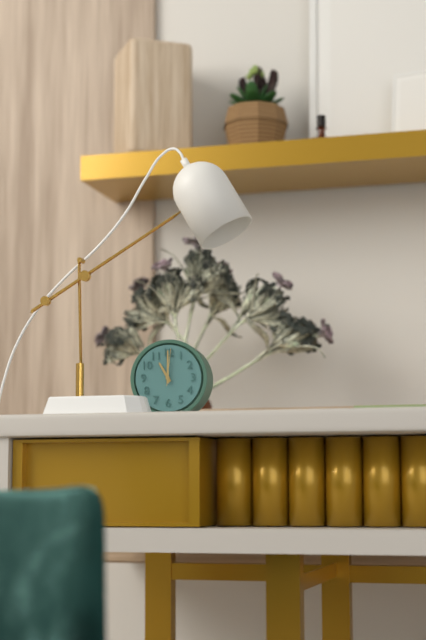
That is 11h00
